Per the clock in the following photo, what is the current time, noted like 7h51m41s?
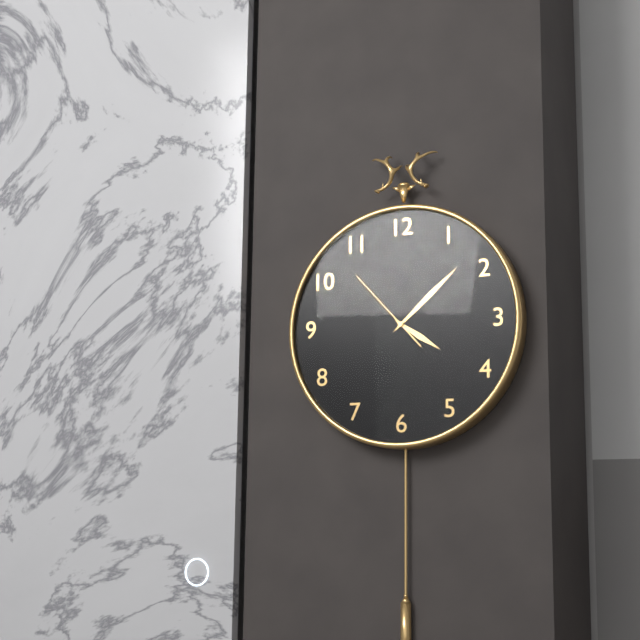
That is 4h08m53s
